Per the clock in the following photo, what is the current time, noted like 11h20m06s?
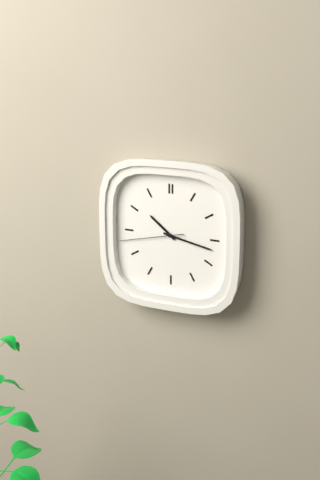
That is 10h17m43s
